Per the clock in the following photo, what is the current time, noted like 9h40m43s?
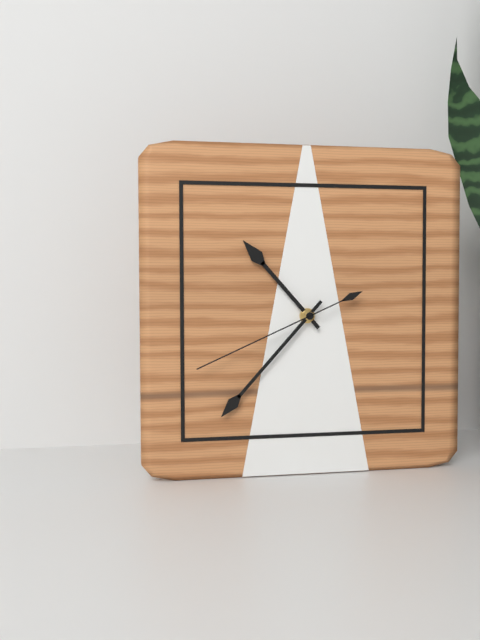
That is 10h37m41s
